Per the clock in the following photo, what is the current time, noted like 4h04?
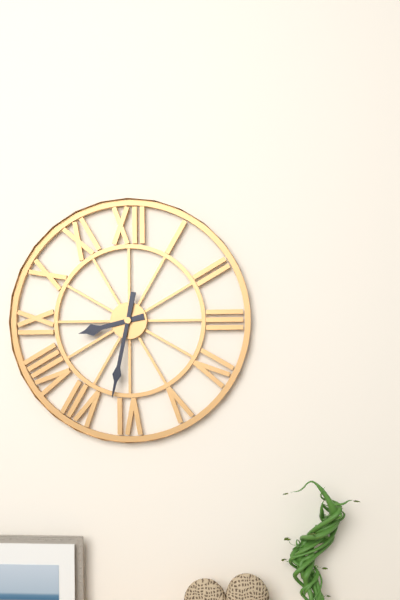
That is 8h32
